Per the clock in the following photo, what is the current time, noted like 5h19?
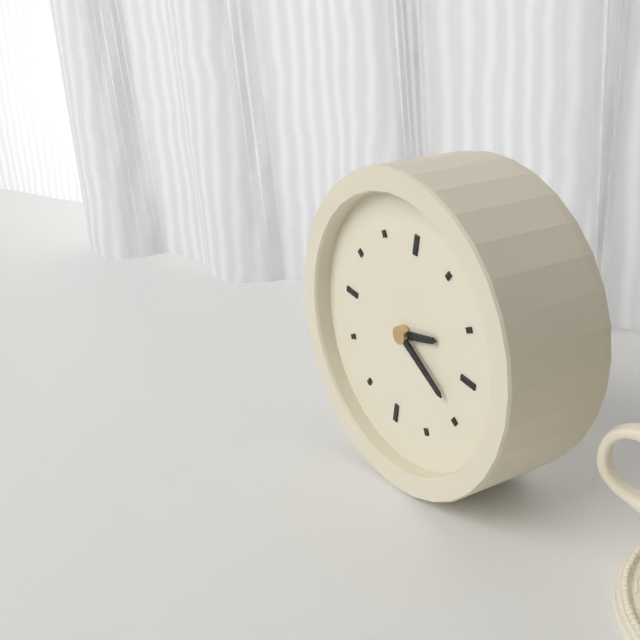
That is 2h19
